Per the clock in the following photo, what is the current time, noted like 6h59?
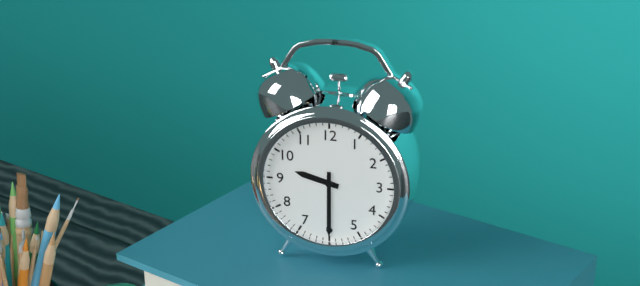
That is 9h30
